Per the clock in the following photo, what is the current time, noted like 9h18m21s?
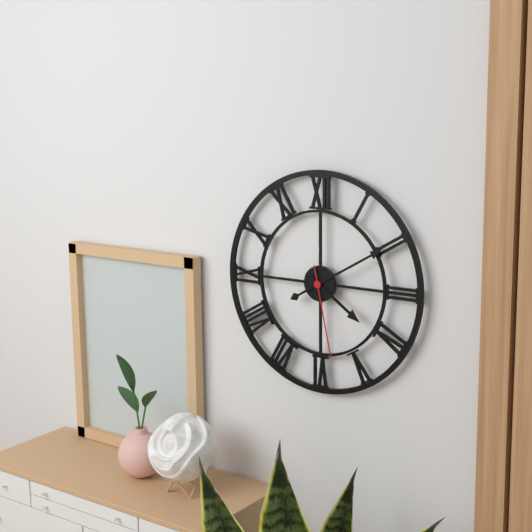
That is 4h10m28s
